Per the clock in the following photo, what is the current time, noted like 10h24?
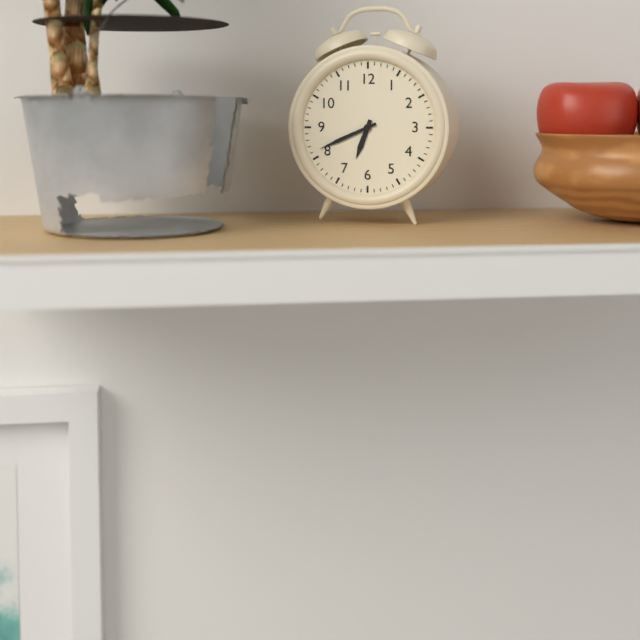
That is 6h41
